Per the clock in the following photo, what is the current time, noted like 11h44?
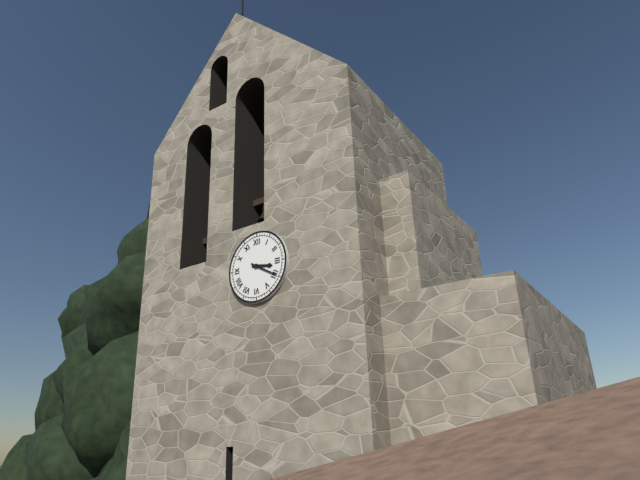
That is 3h20
